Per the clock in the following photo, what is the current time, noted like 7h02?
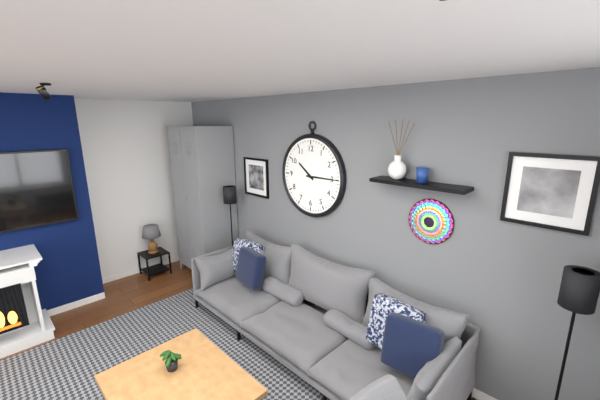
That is 10h15
